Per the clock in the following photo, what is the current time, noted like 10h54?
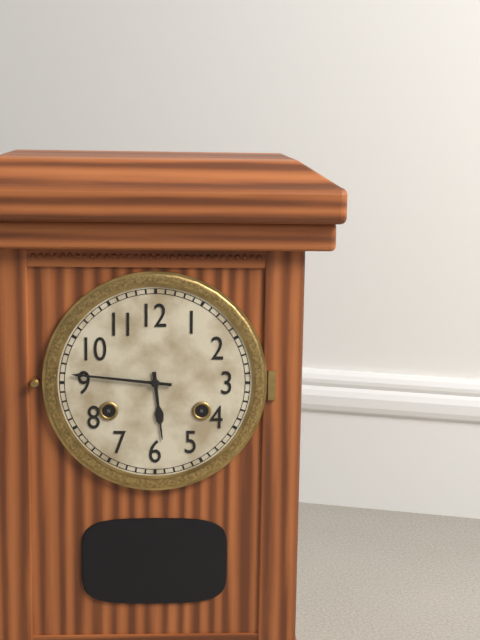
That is 5h46
